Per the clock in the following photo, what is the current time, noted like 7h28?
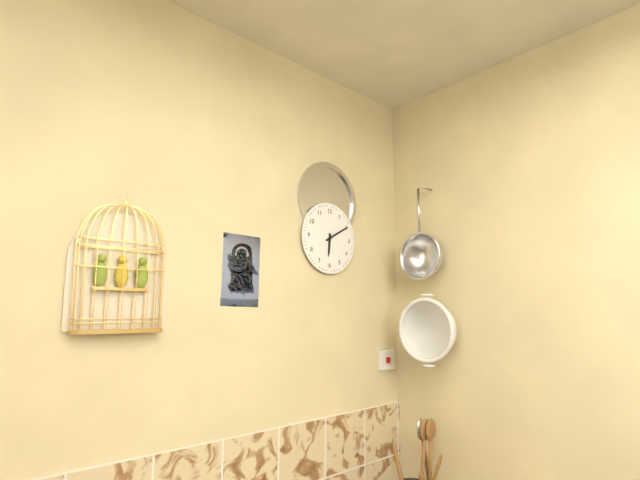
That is 6h10
